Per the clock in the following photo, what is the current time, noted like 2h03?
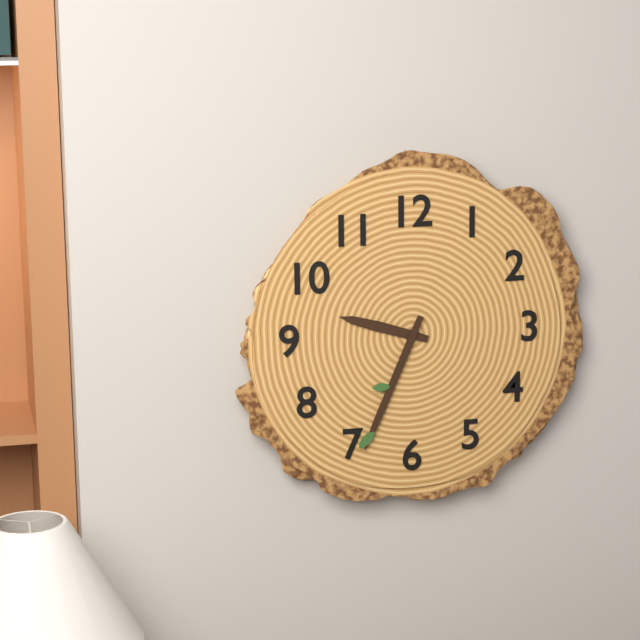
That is 9h34
